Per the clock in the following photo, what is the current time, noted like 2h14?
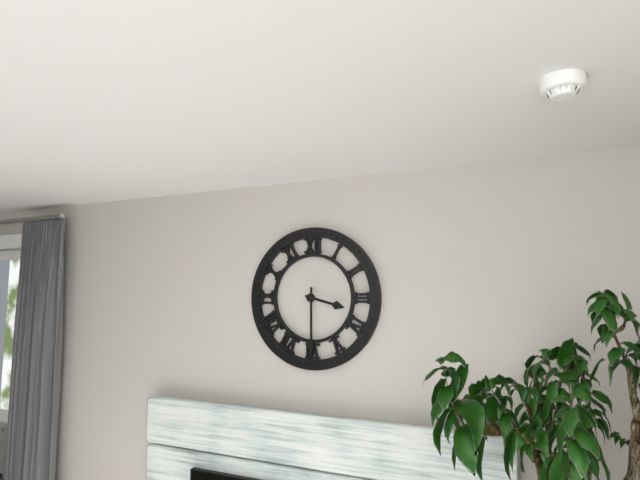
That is 3h30
